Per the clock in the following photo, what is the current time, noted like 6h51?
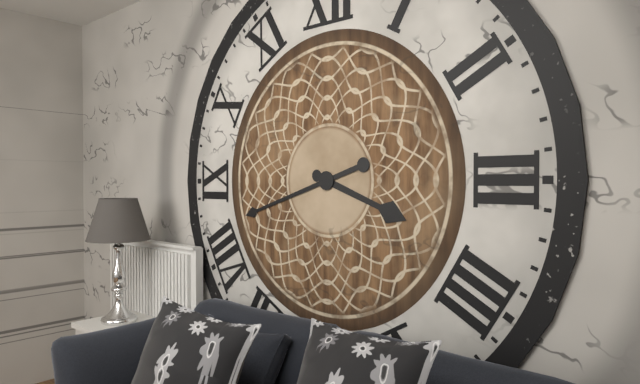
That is 3h42
